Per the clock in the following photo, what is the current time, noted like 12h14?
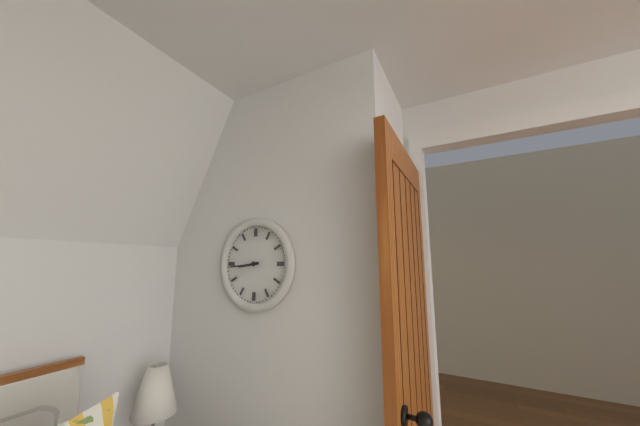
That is 8h44
